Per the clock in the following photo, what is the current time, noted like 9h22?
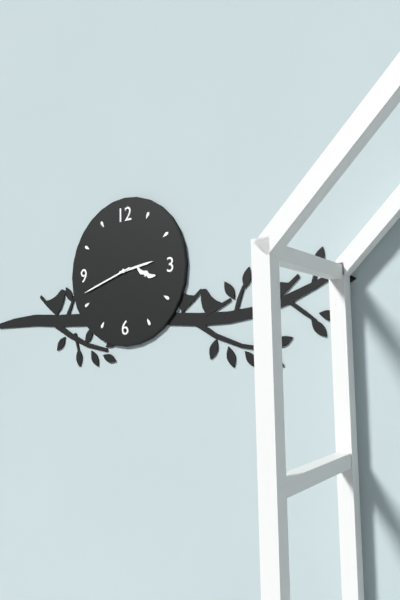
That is 2h42
